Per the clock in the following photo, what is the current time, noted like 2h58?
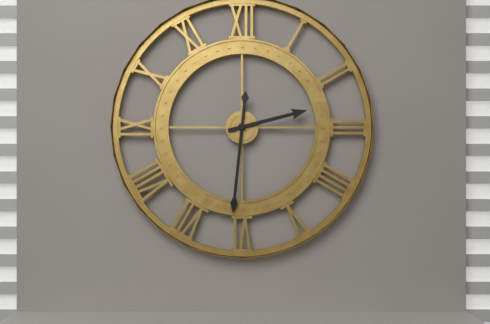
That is 2h31
